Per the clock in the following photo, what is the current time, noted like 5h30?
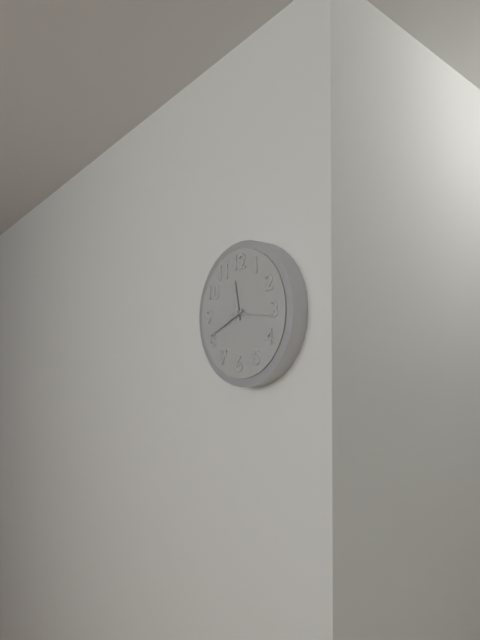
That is 11h41
